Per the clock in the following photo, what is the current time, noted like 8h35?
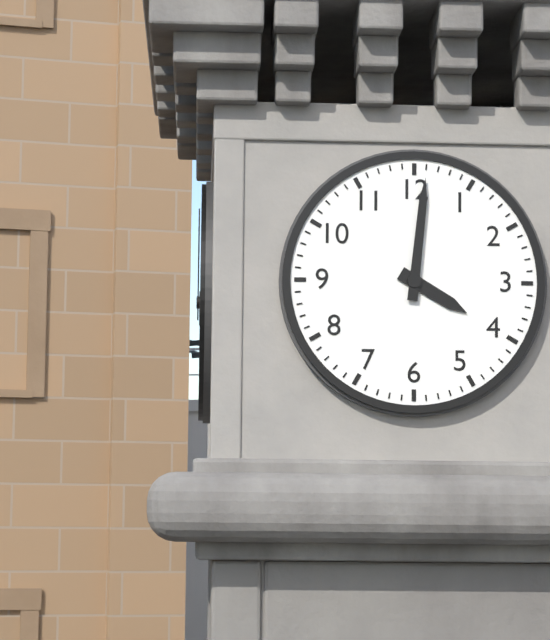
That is 4h01
